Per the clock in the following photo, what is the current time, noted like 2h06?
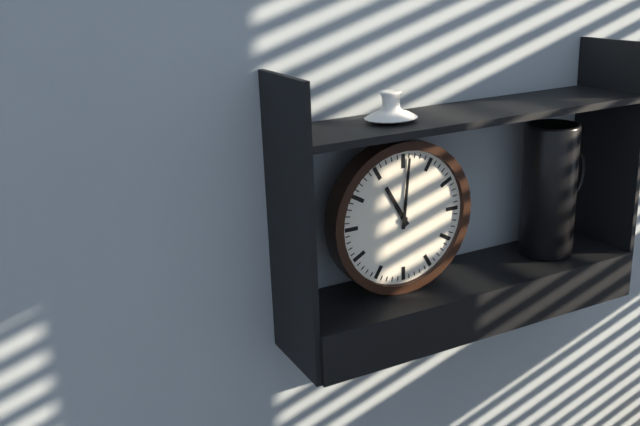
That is 11h01
